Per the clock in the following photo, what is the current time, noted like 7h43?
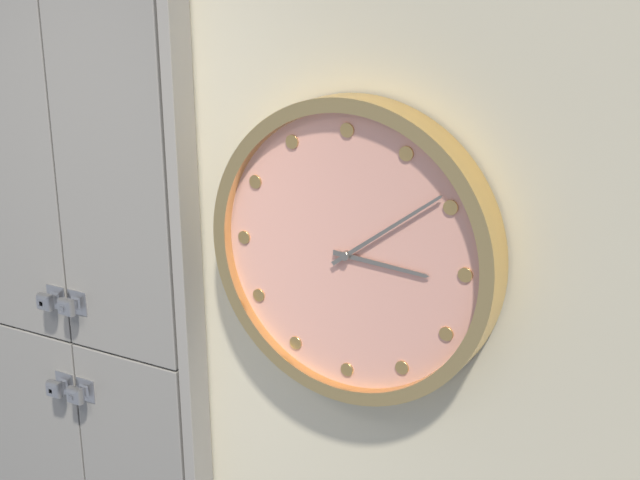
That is 3h09
